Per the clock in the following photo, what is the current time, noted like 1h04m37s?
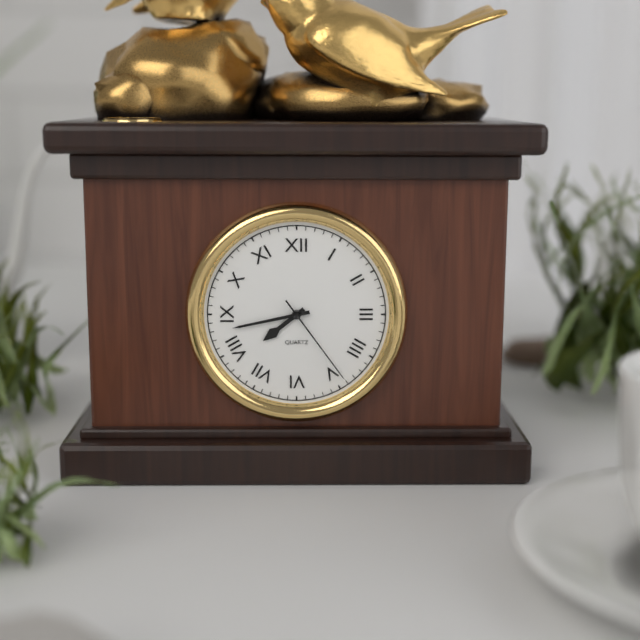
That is 7h43m24s
